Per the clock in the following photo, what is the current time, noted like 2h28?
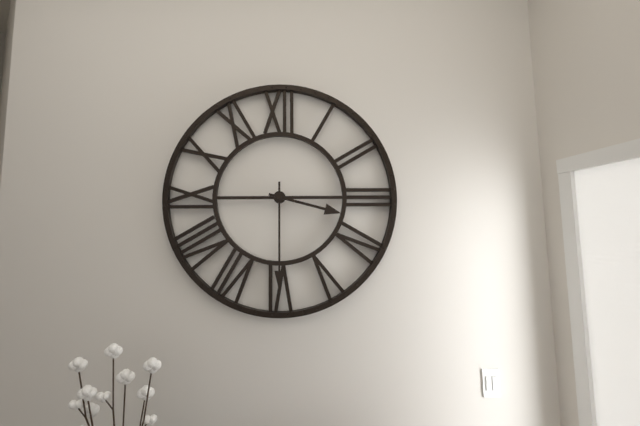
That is 3h30
